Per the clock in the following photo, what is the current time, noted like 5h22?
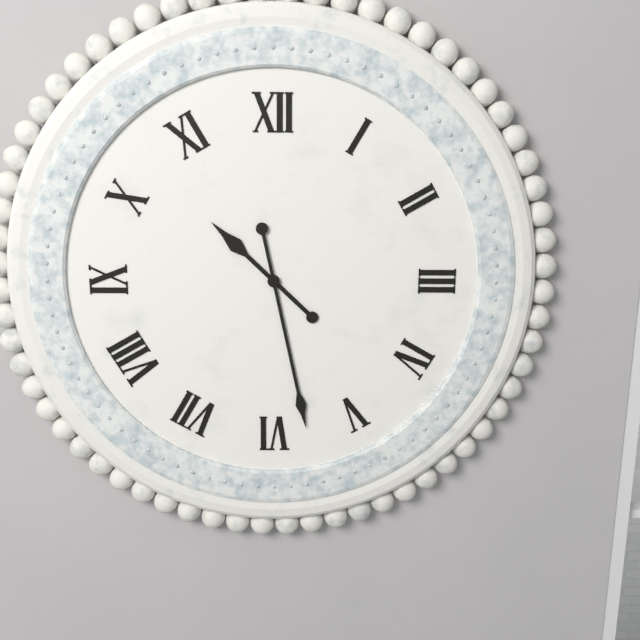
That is 10h28
